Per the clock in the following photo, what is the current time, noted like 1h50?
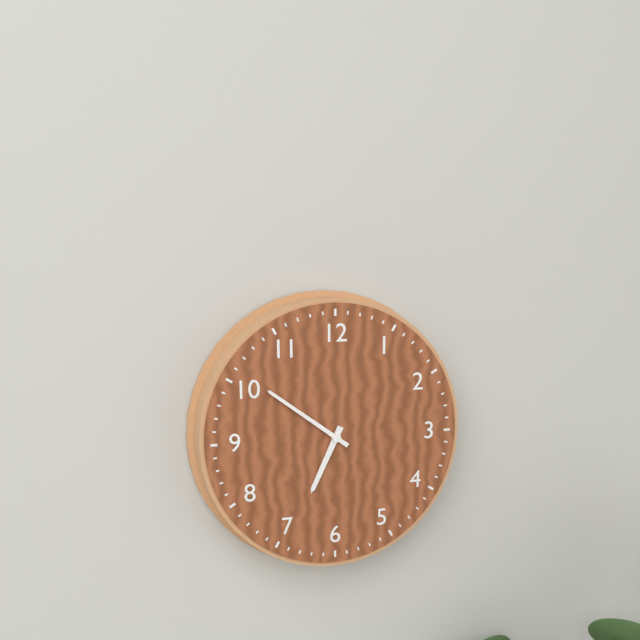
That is 6h51
